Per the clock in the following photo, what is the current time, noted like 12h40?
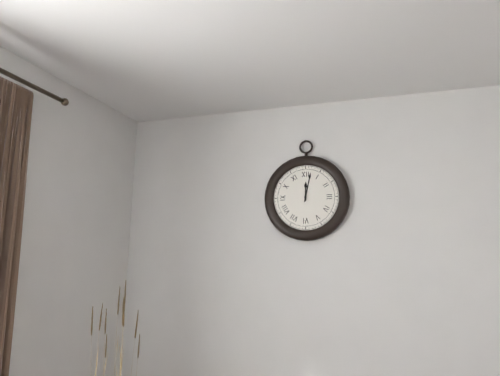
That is 12h02
